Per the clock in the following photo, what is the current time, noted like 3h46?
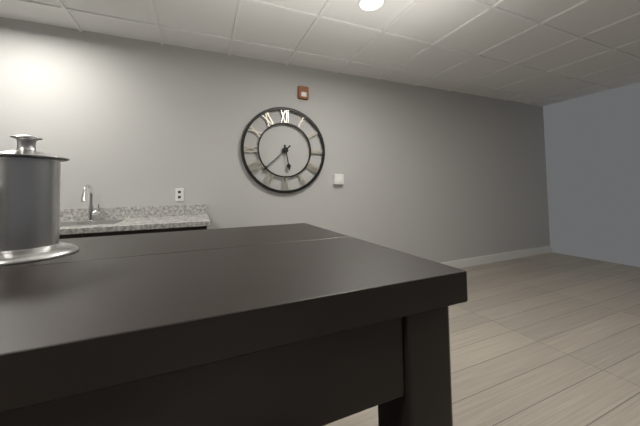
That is 5h38
